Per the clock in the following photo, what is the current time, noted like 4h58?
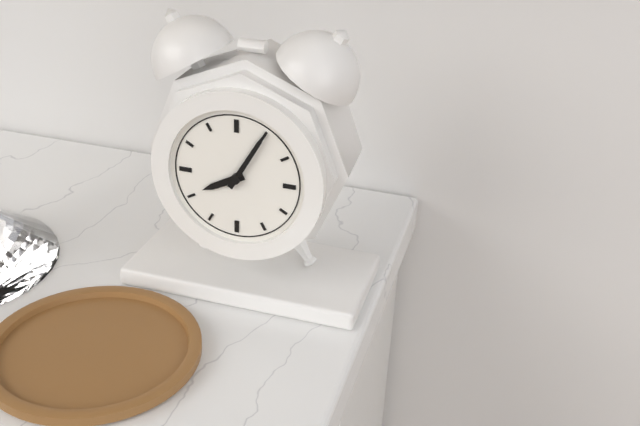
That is 8h05
